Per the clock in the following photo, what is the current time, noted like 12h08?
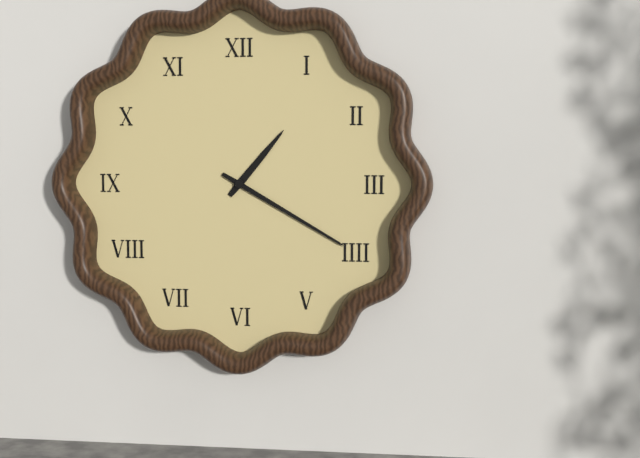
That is 1h20
